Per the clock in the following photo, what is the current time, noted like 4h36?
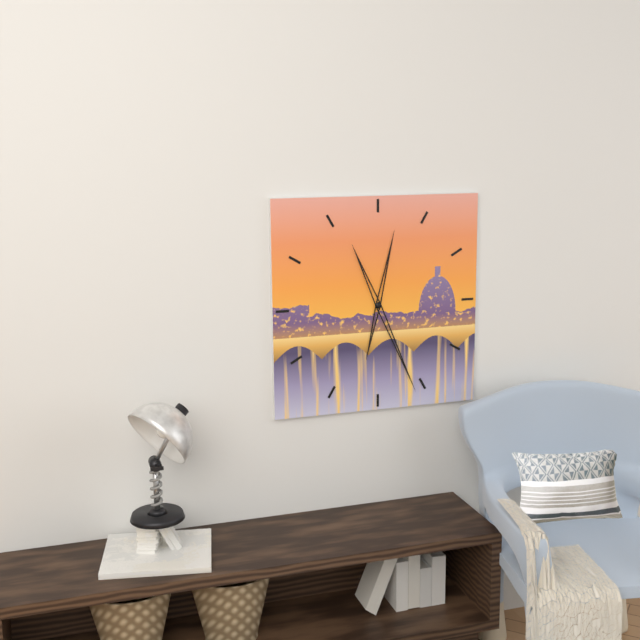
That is 12h26
